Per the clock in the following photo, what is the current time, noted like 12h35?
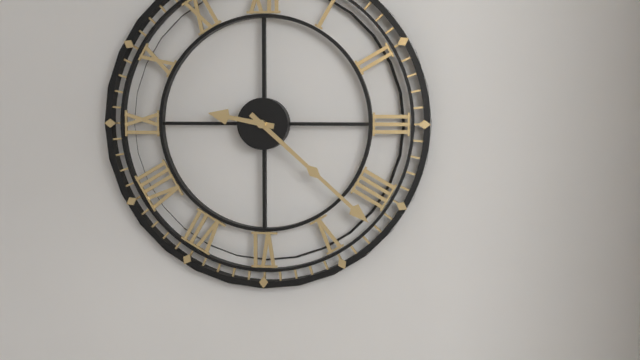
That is 9h22
